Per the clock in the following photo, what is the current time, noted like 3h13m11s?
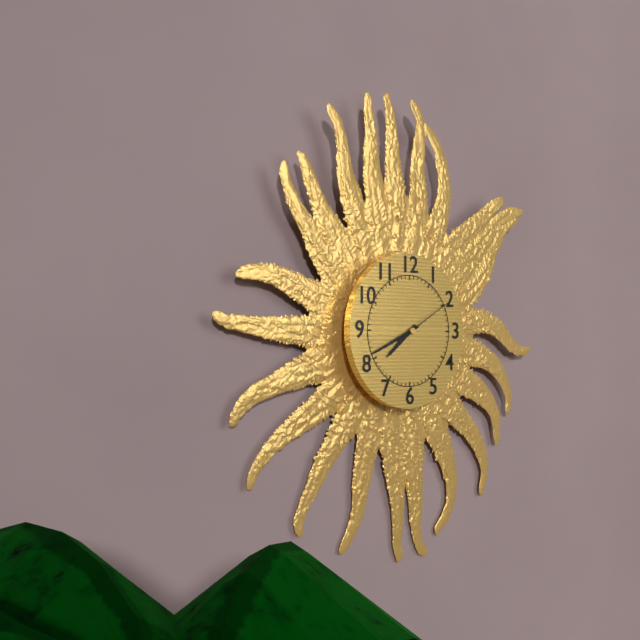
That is 7h41m10s
